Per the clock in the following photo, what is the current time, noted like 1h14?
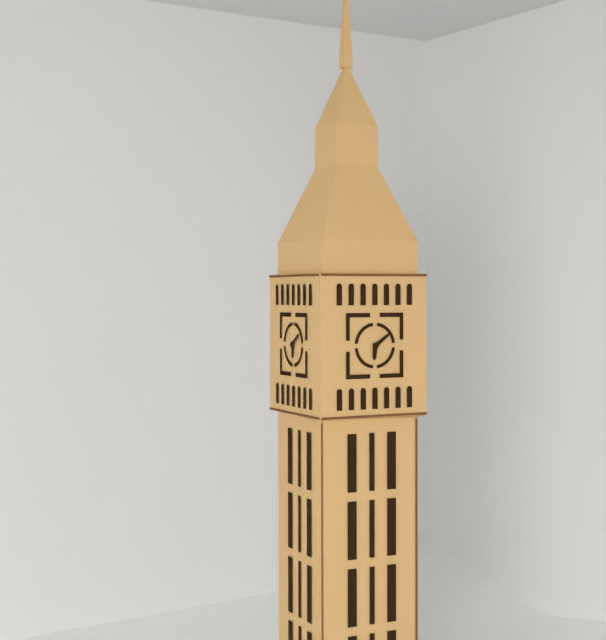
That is 6h09
